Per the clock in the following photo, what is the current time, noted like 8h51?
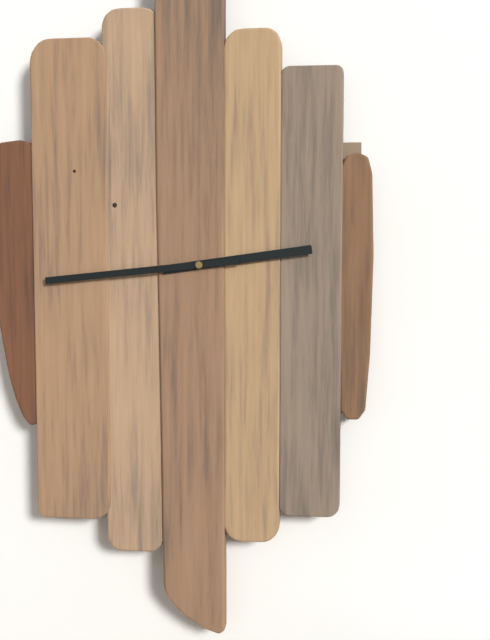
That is 2h44
